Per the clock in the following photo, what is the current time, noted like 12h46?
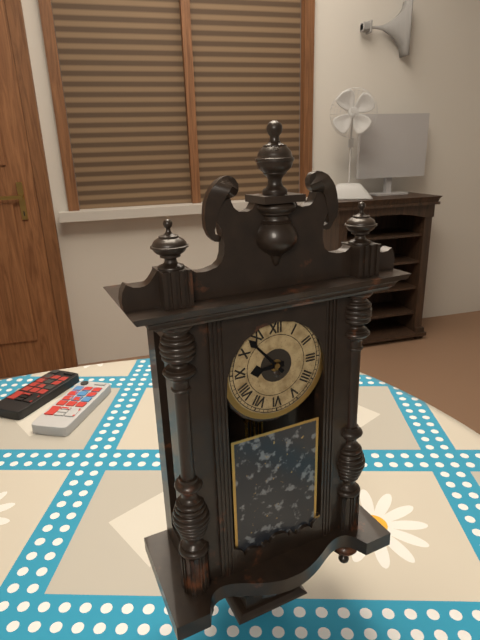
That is 8h53
